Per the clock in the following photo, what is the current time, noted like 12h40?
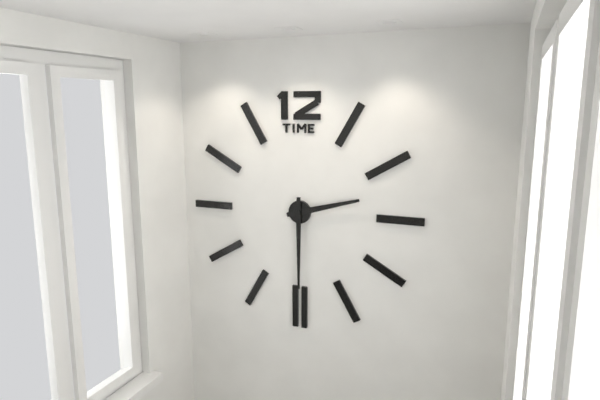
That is 2h30
